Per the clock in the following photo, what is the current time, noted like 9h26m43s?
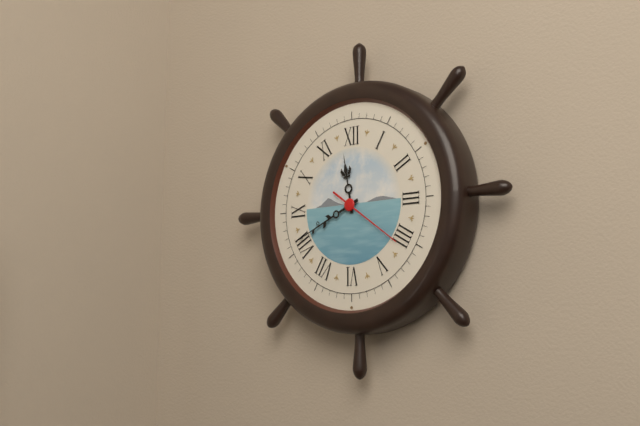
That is 11h41m21s
